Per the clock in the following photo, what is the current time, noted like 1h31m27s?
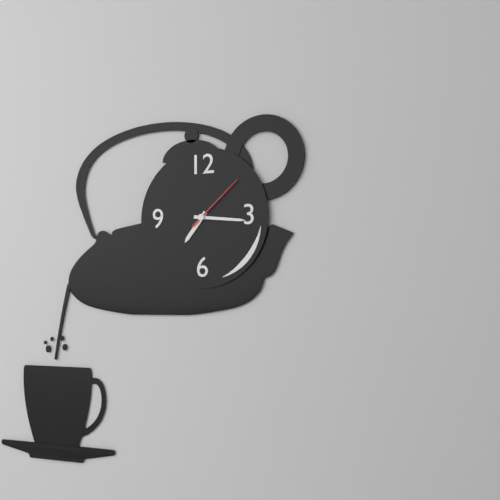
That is 7h16m08s
